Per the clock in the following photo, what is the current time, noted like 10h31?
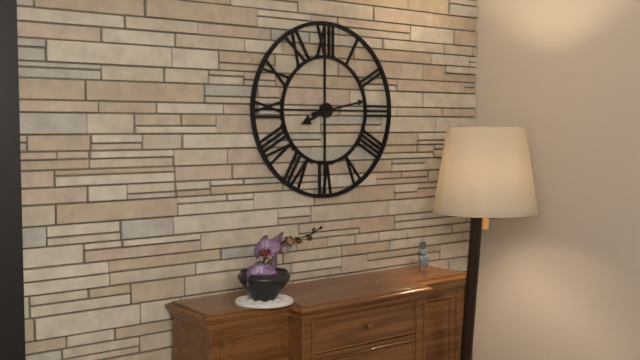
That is 8h13
